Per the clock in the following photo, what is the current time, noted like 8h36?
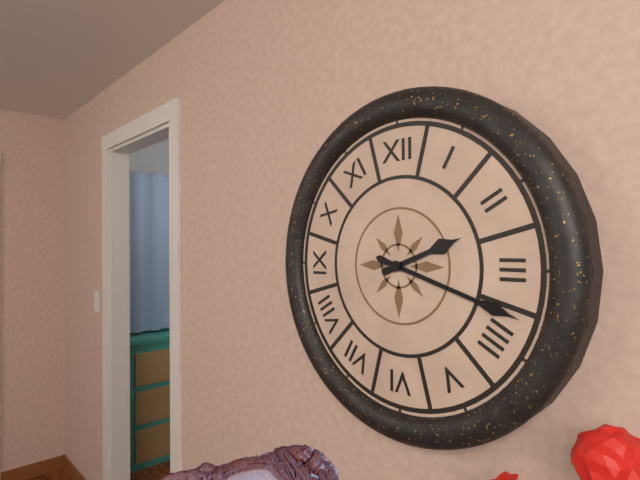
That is 2h18
